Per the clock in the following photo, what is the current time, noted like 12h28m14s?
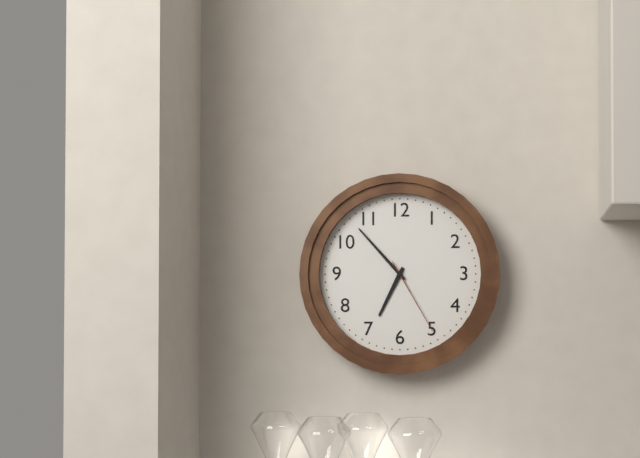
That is 6h53m25s
